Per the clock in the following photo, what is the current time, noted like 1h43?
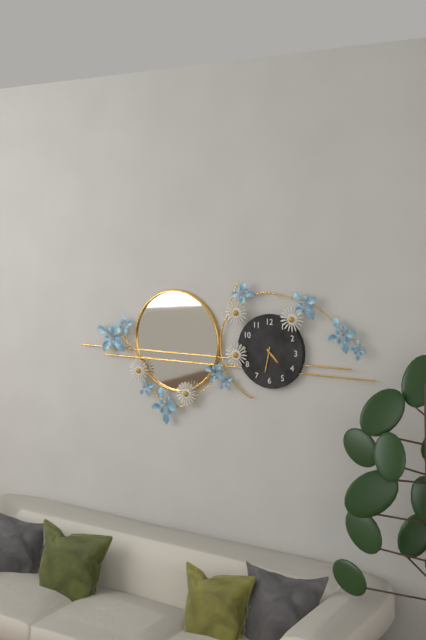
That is 4h32
